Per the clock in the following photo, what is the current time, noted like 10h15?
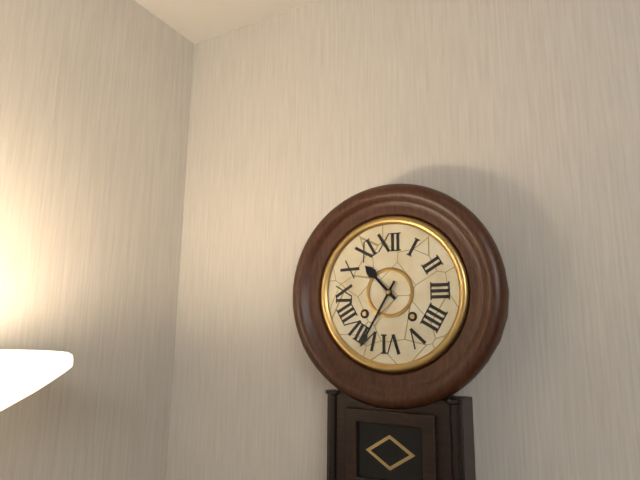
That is 10h35
